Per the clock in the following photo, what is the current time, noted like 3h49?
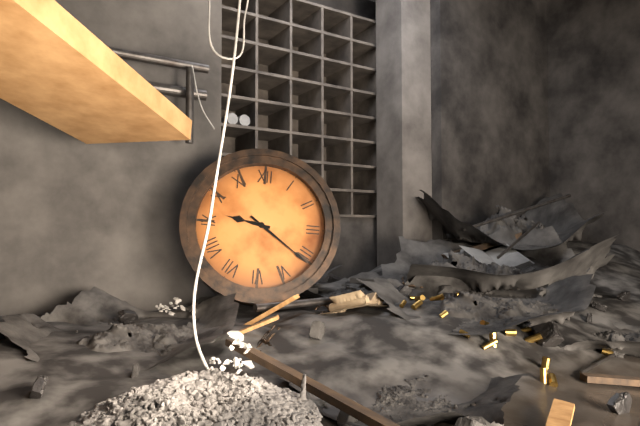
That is 9h21
